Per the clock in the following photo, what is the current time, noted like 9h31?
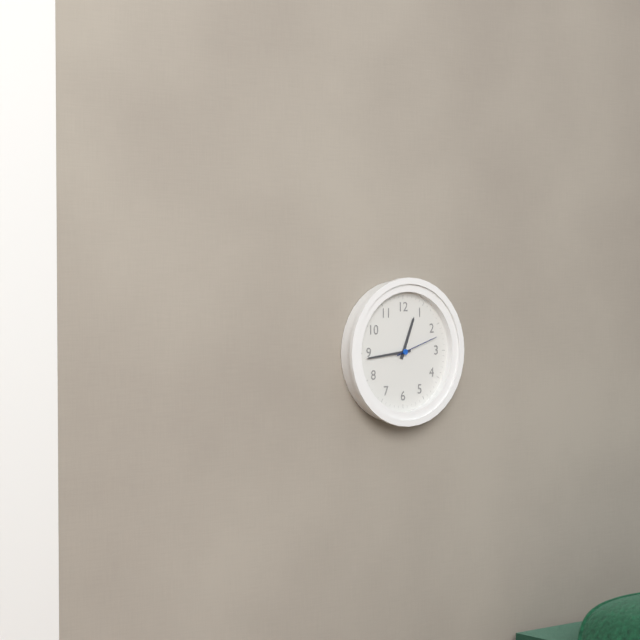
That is 12h44
